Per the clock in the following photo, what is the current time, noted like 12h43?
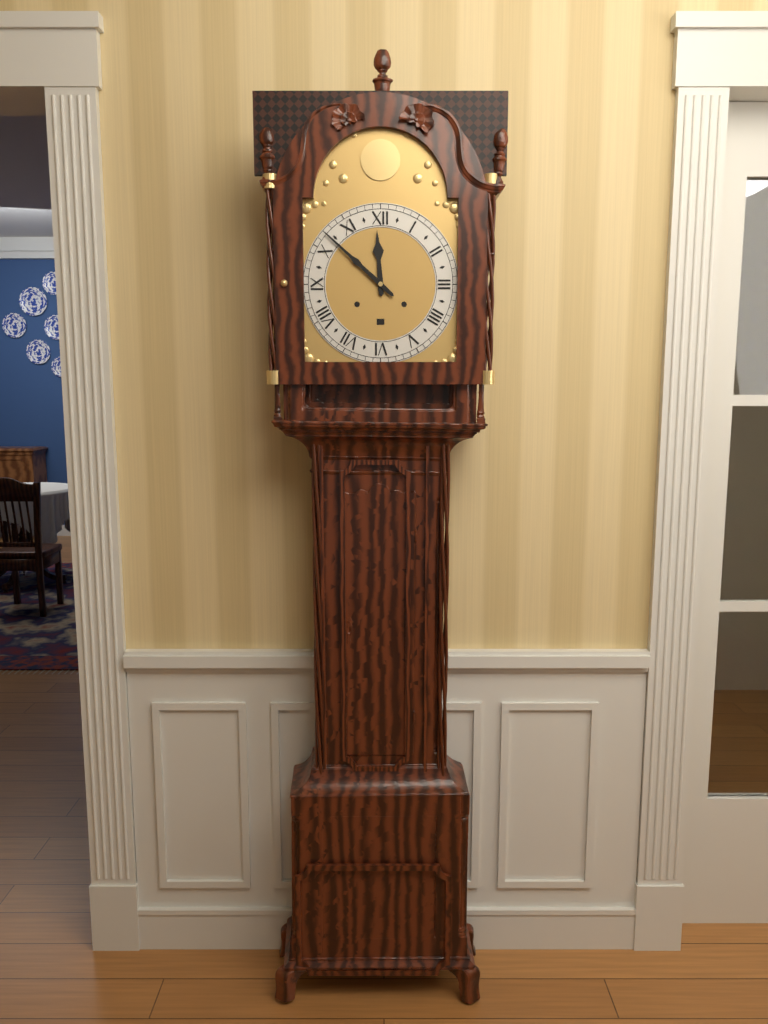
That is 11h52
